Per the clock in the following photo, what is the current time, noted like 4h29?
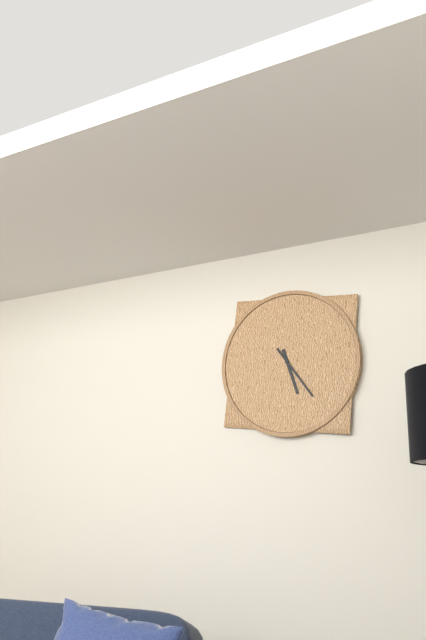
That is 5h24
